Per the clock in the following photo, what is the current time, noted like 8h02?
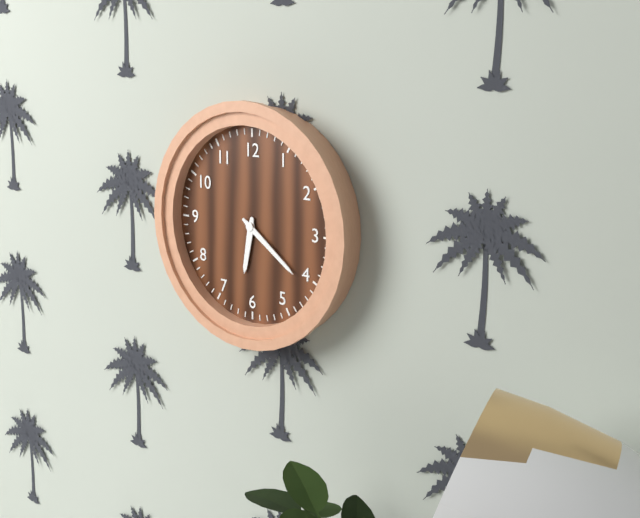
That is 6h21
